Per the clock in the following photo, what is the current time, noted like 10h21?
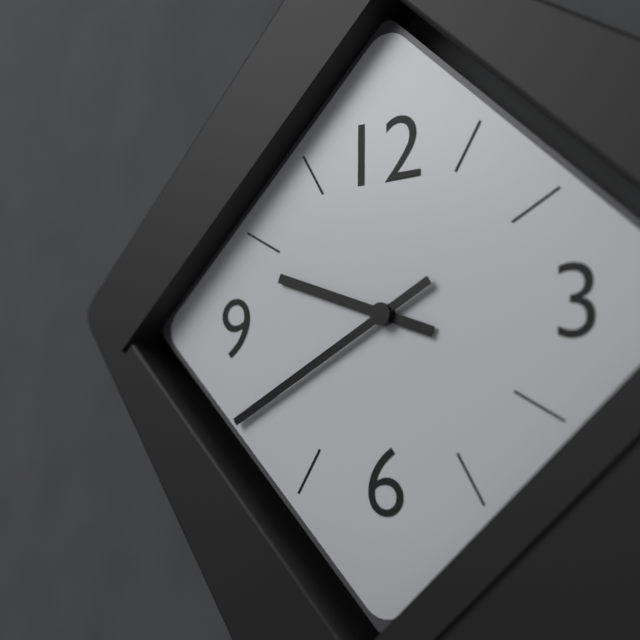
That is 9h40
